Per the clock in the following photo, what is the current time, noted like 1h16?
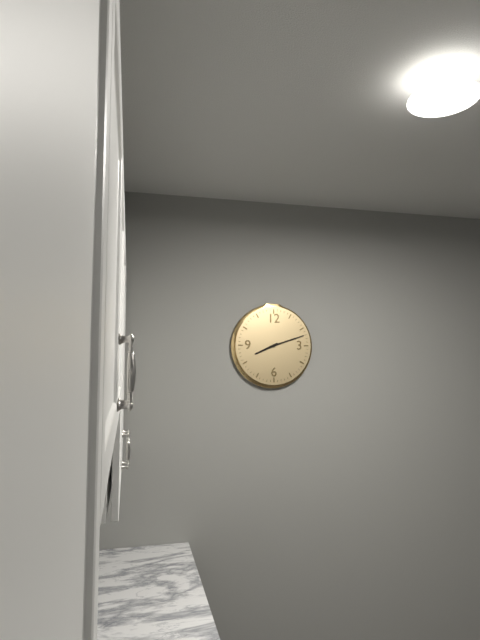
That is 8h12
